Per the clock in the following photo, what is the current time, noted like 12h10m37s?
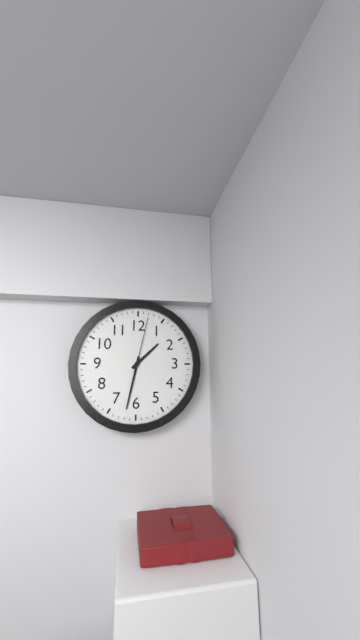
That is 1h32m02s
